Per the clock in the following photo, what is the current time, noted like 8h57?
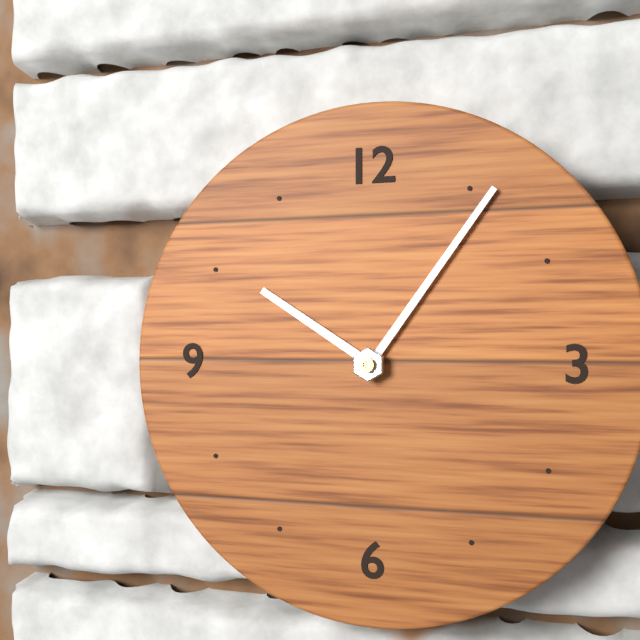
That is 10h06
